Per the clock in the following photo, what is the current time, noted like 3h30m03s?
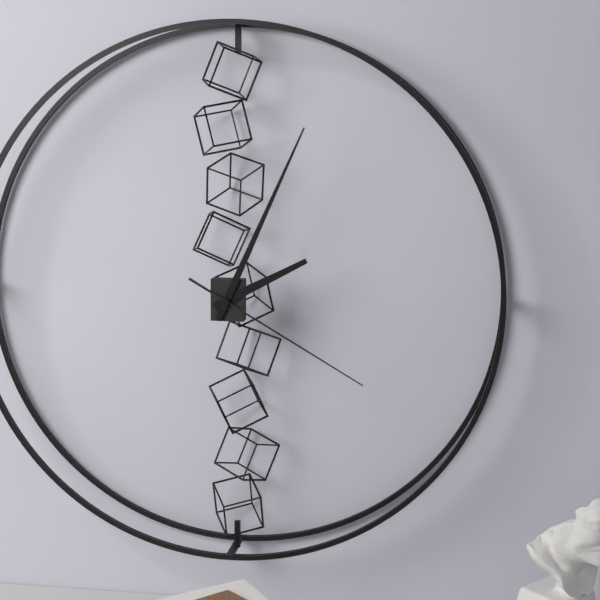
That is 2h04m20s
